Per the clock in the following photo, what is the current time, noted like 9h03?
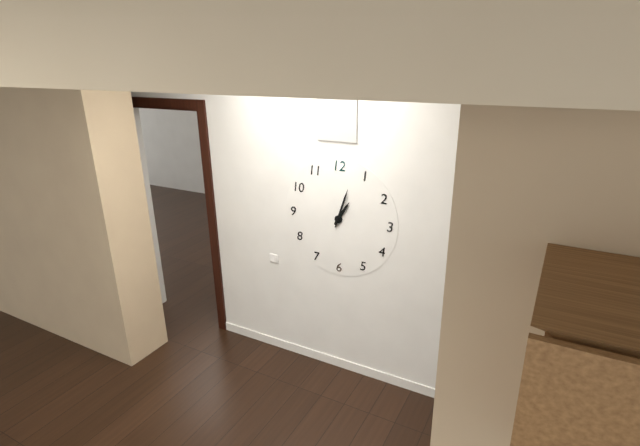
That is 1h03
